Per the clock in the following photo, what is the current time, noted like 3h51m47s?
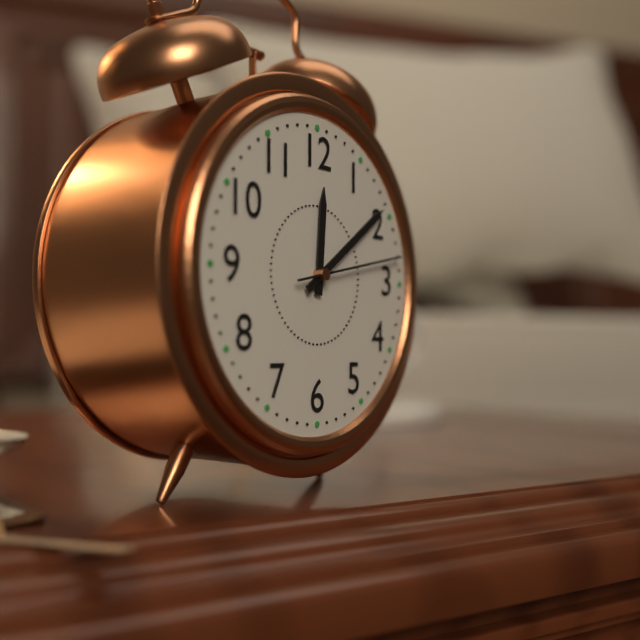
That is 12h09m13s
